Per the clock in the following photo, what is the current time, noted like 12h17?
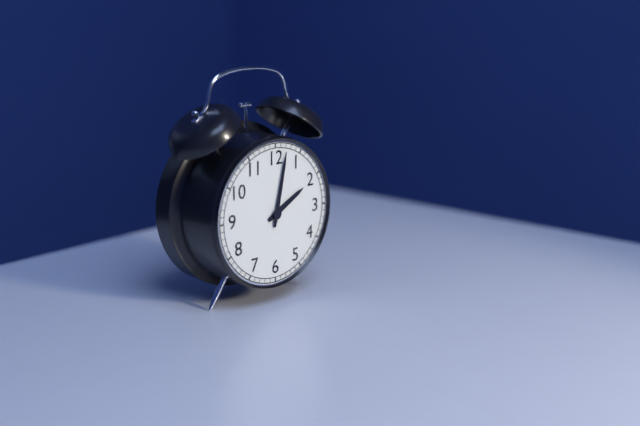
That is 2h02
